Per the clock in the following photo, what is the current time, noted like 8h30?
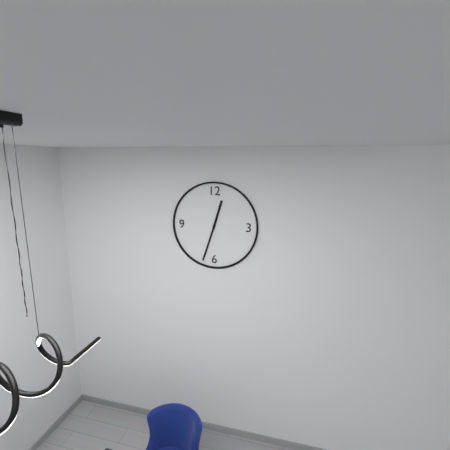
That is 12h33
